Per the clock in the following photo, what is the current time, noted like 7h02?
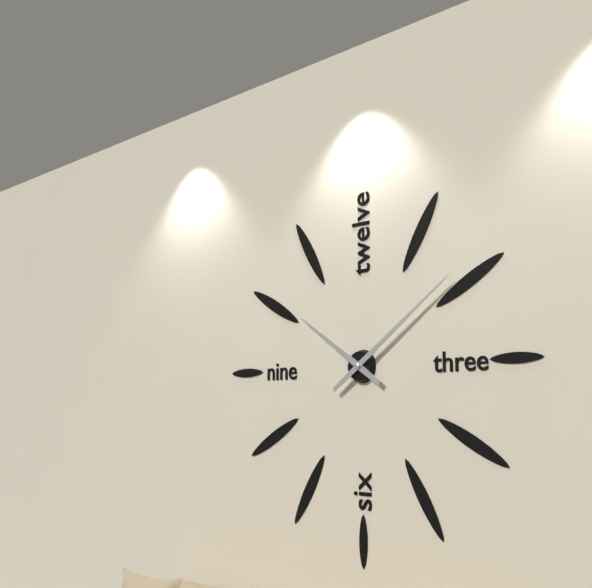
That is 10h09
